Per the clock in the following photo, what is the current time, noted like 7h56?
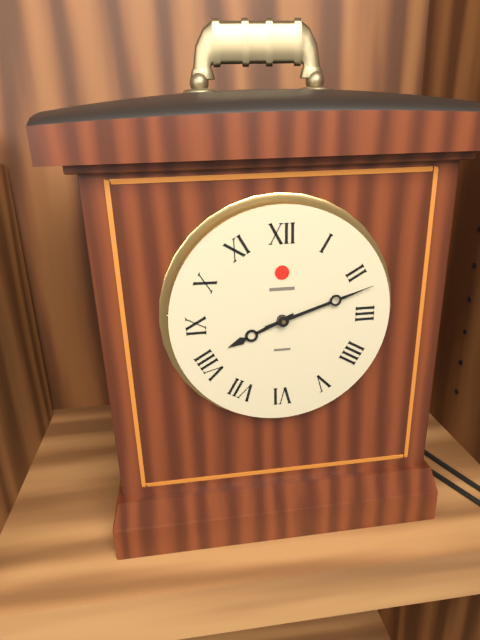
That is 8h12
